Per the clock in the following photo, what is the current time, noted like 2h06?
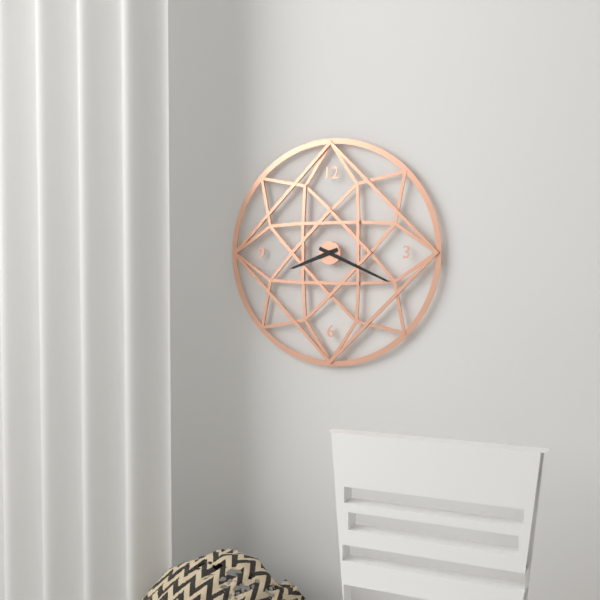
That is 8h19
